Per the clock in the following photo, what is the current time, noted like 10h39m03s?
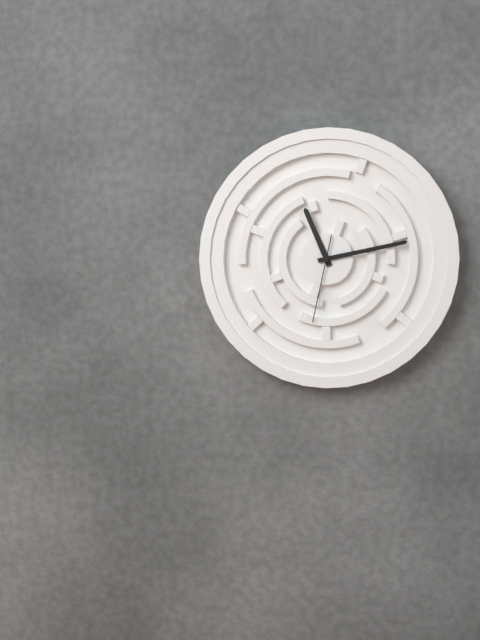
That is 11h13m32s
